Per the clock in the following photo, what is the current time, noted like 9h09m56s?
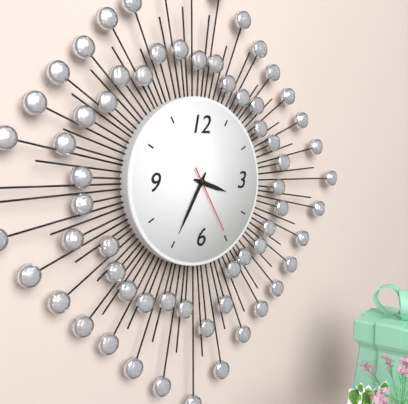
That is 3h35m25s
